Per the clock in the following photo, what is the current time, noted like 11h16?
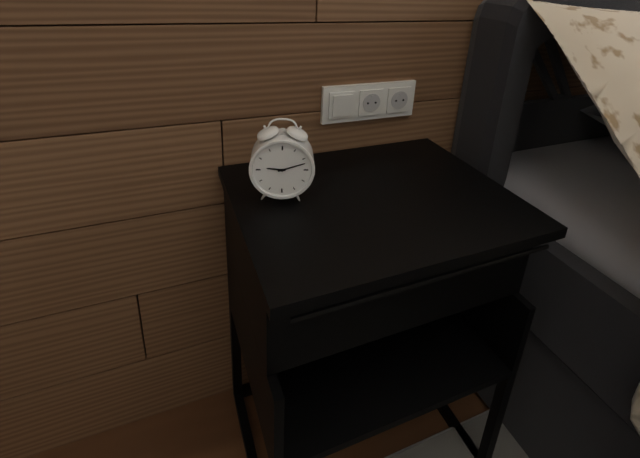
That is 9h12
